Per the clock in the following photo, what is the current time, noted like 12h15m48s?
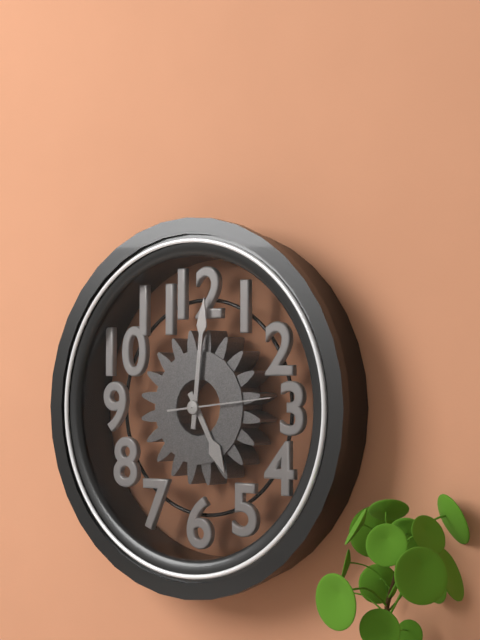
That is 5h01m14s
